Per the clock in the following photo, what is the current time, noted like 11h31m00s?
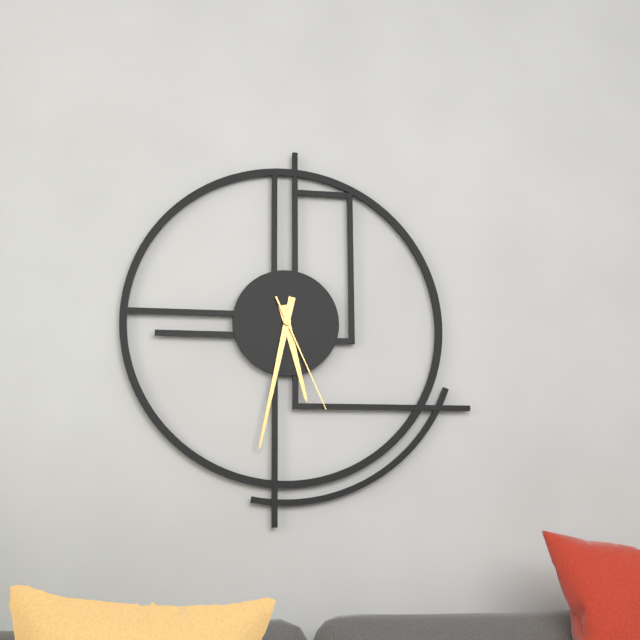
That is 5h32m26s
